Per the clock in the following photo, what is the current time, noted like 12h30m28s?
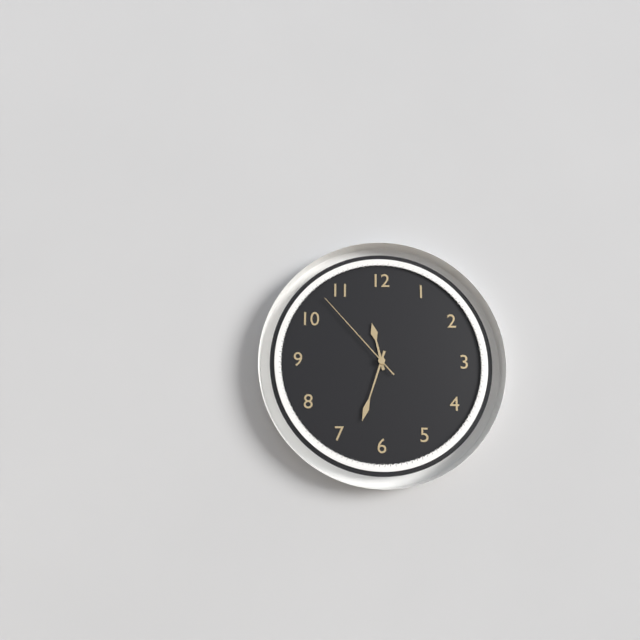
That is 11h33m53s
